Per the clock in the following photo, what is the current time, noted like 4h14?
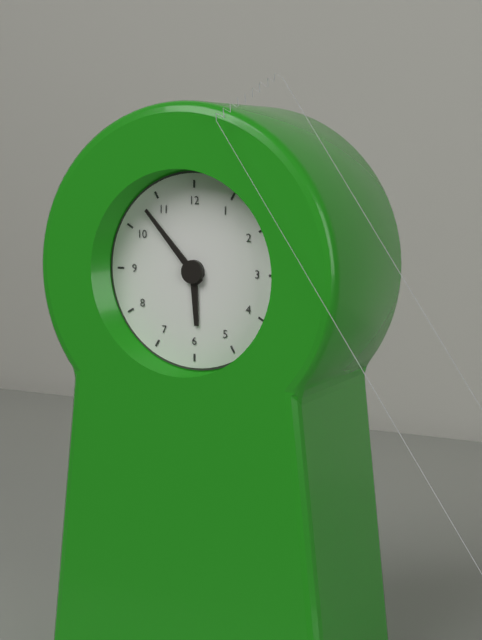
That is 5h53
